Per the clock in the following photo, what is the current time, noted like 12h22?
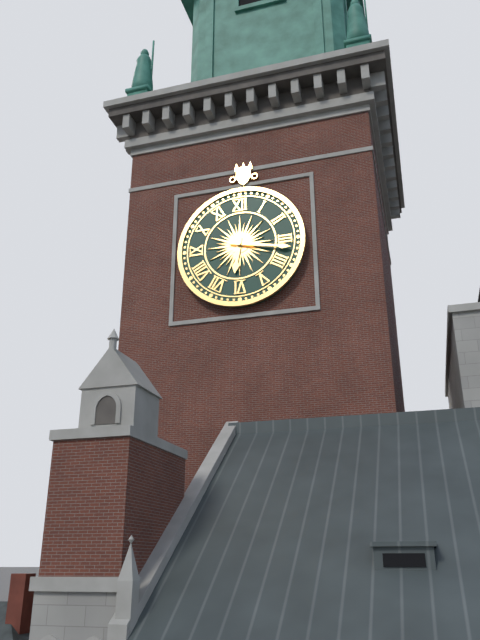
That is 6h17
